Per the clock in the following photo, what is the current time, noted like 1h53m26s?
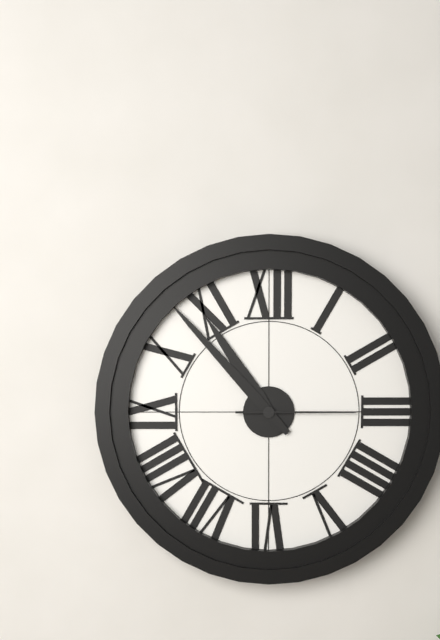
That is 10h53m15s
